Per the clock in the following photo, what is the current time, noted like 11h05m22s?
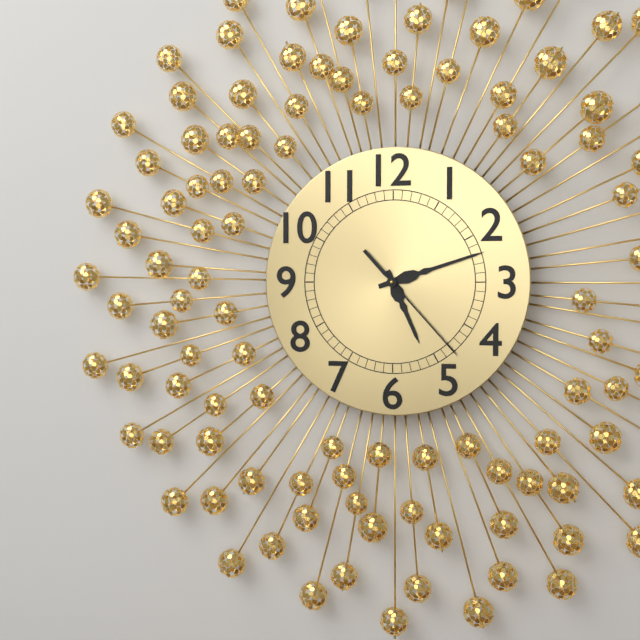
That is 5h12m23s
